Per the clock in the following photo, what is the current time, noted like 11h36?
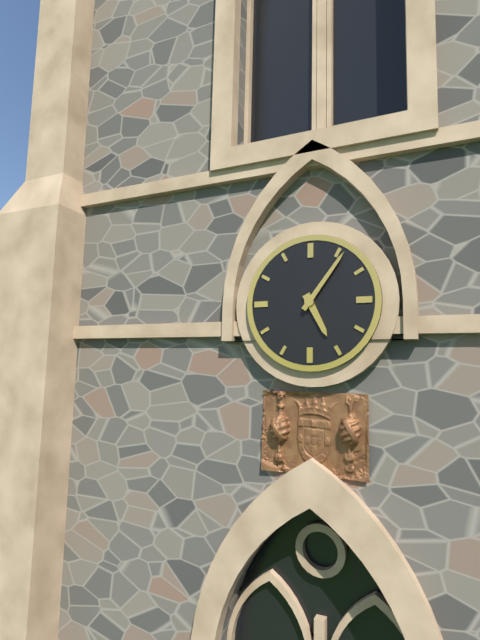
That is 5h06
